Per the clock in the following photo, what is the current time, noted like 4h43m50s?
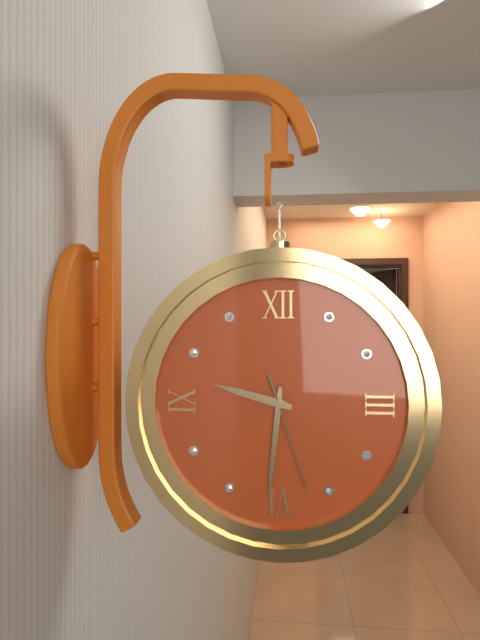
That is 9h31m27s
